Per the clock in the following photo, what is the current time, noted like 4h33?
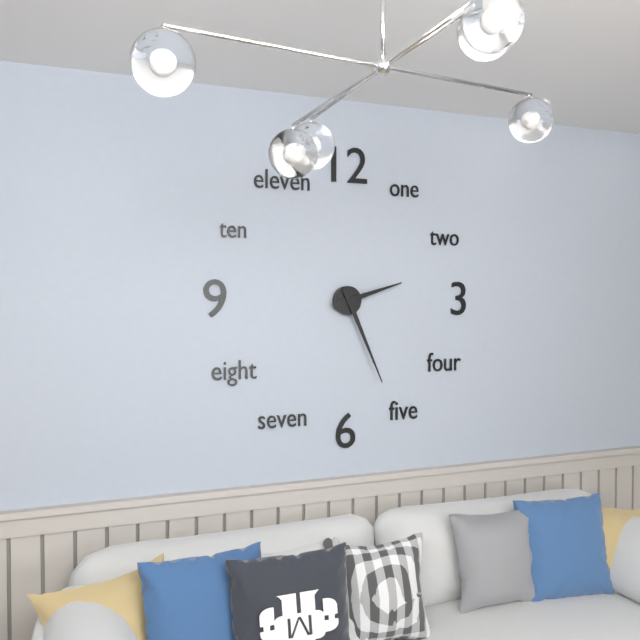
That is 2h26
